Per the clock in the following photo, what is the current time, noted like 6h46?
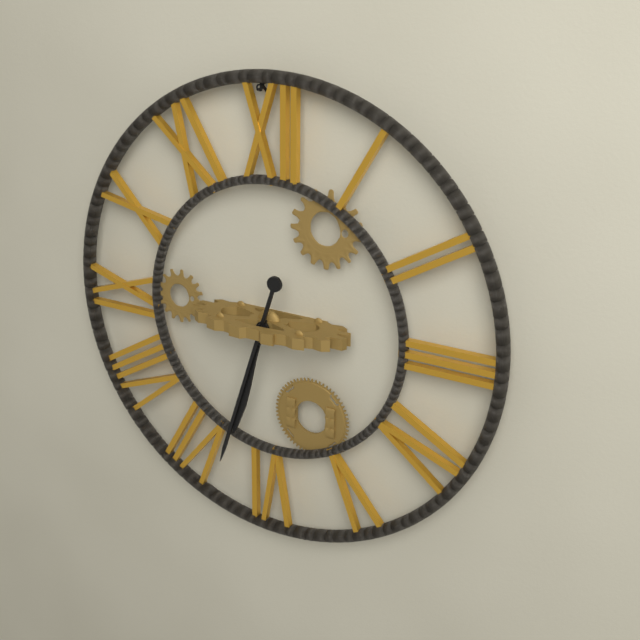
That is 6h33
